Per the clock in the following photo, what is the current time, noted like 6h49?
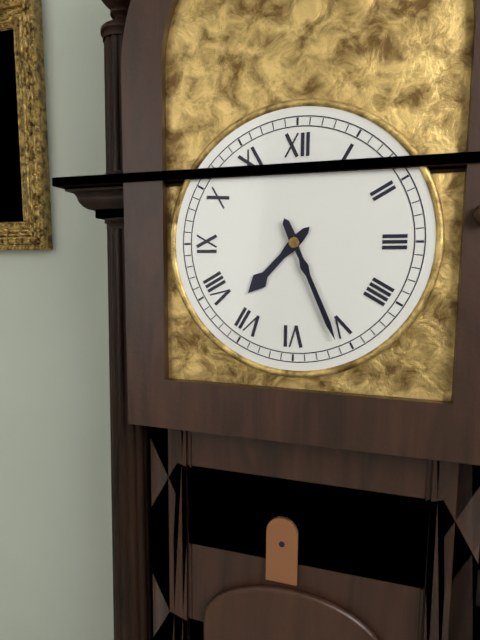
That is 7h26
